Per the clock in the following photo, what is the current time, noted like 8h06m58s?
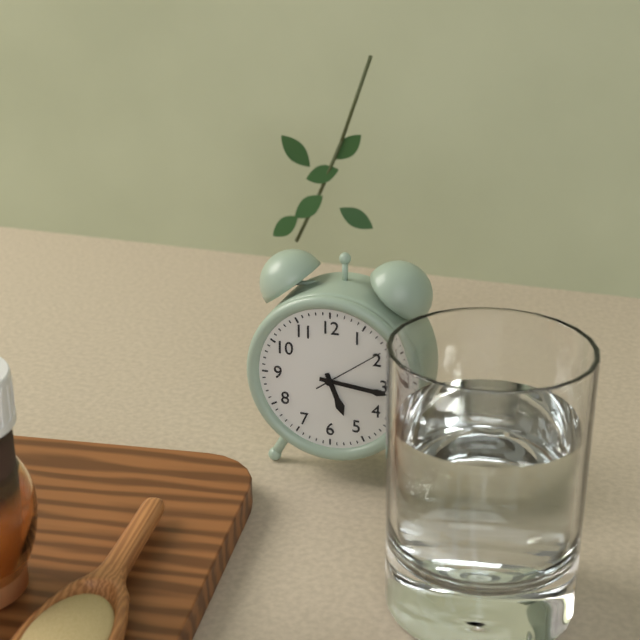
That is 5h16m09s
